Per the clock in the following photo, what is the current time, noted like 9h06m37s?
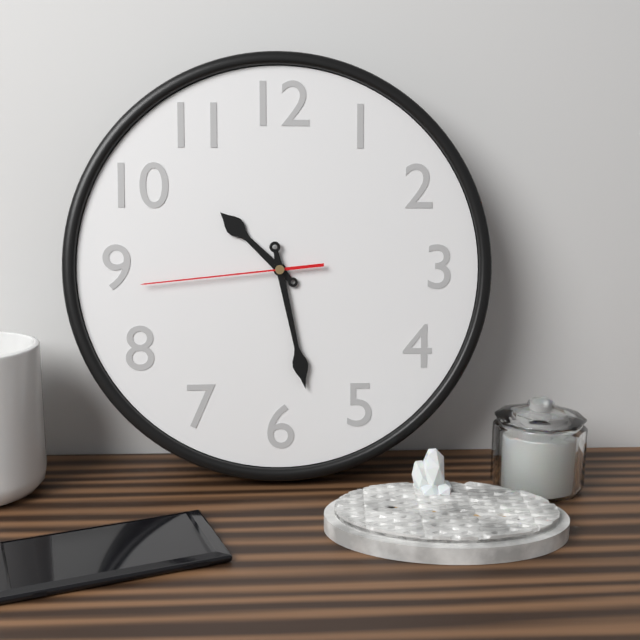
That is 10h28m44s
